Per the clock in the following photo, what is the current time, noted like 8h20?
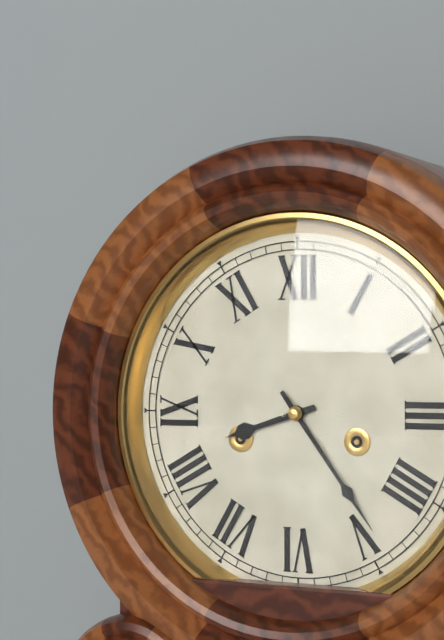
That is 8h24
